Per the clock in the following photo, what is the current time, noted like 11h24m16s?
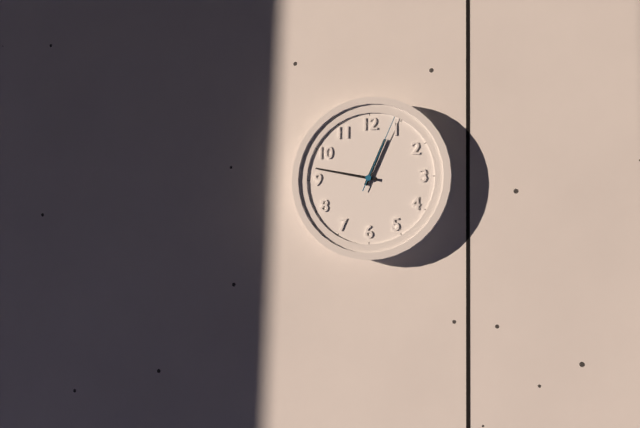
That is 12h47m04s
